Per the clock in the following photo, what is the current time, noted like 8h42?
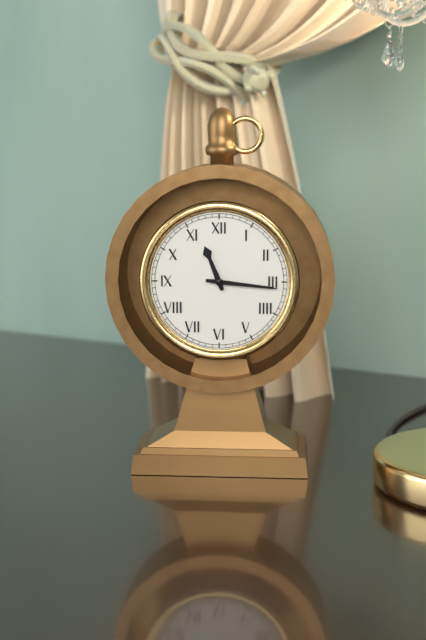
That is 11h16
